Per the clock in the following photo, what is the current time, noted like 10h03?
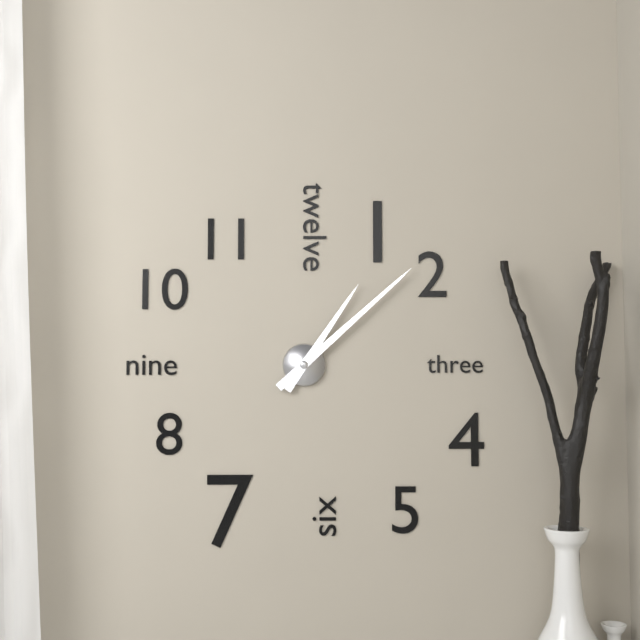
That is 1h08
